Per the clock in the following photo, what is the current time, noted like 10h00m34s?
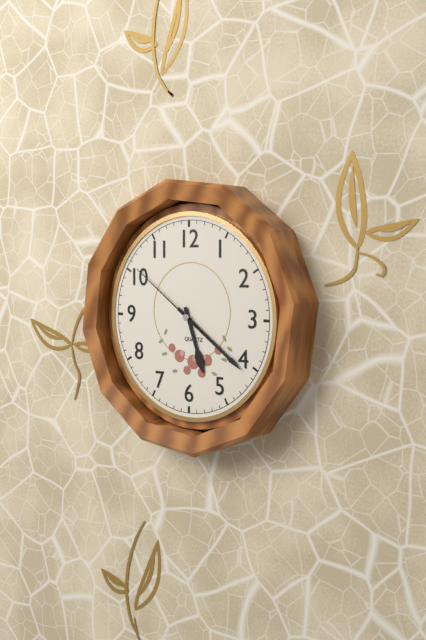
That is 5h21m51s
